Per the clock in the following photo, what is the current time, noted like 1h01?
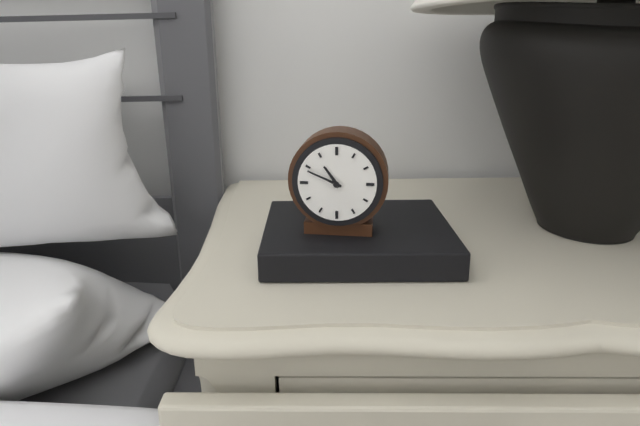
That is 10h49
